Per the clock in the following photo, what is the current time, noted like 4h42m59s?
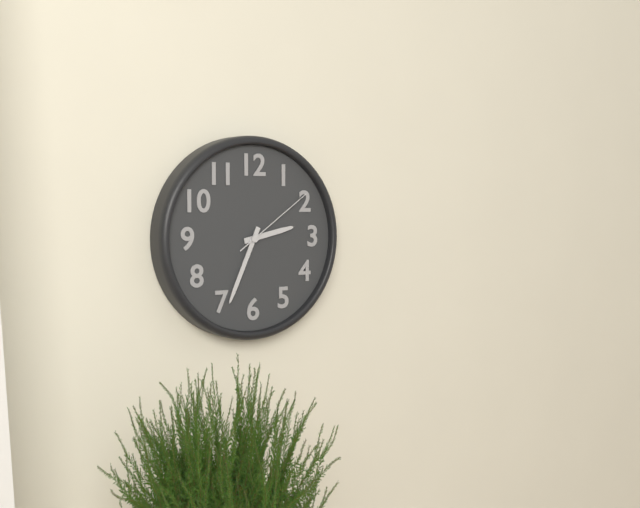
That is 2h34m09s
